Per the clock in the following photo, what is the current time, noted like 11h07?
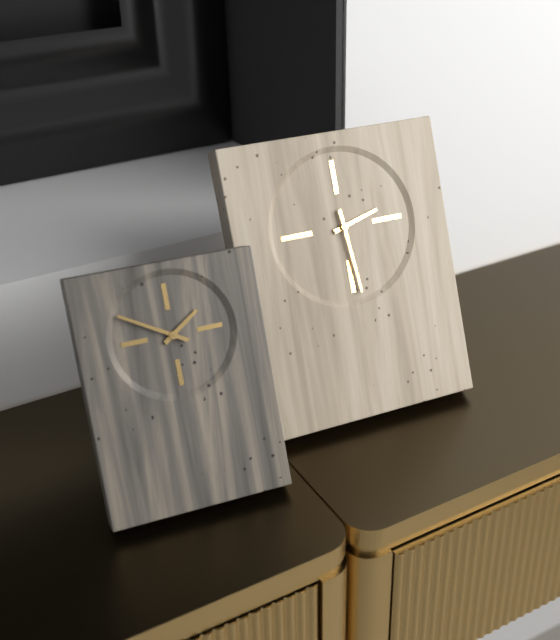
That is 2h29
